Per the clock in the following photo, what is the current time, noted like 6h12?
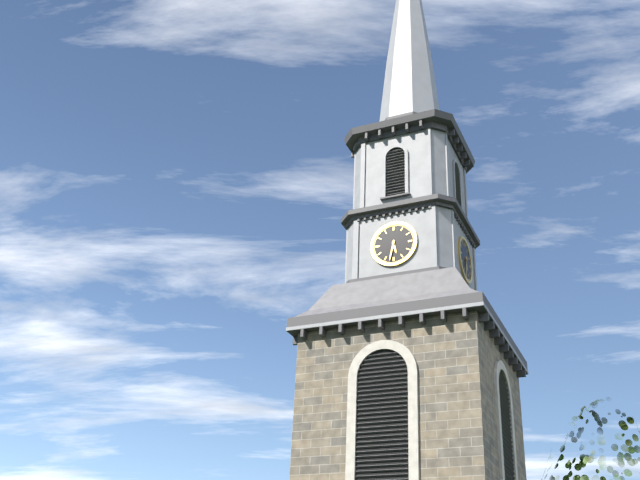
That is 5h32
